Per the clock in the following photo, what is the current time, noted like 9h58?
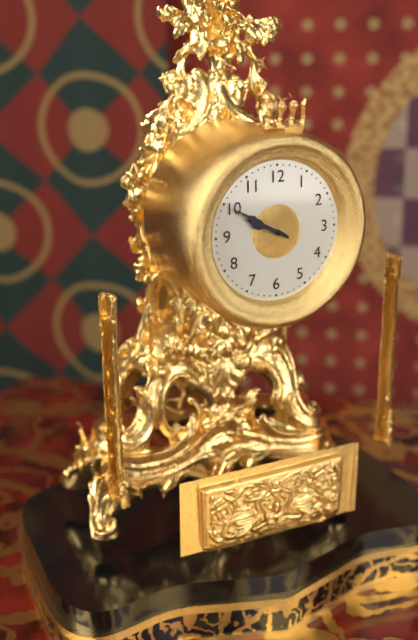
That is 9h50
